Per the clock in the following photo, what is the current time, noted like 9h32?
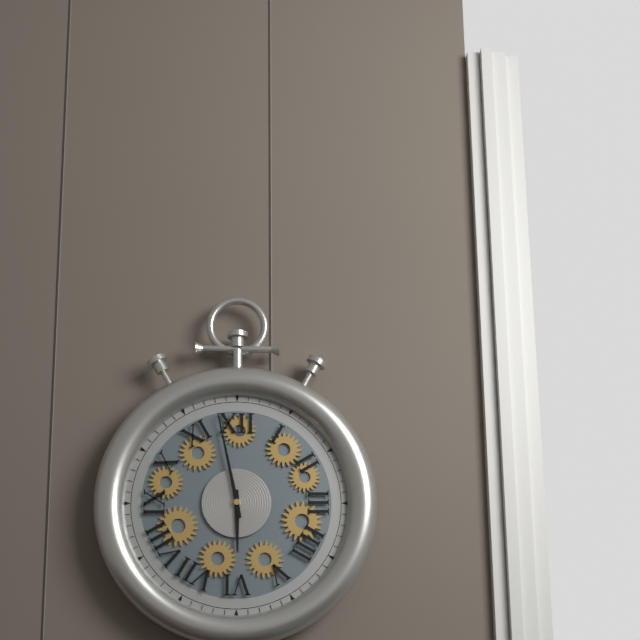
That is 5h58
